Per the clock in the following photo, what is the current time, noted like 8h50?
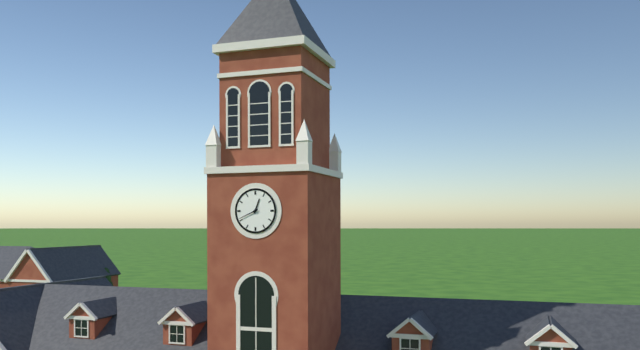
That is 12h41
